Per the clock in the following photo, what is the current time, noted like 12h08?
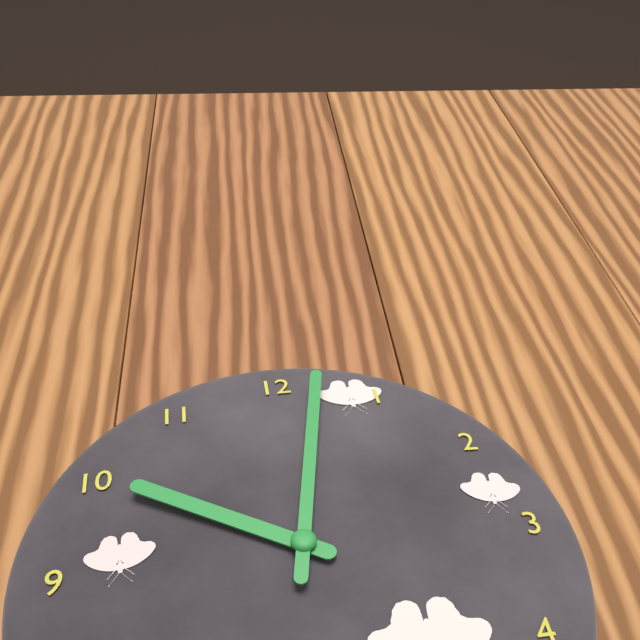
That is 10h02
